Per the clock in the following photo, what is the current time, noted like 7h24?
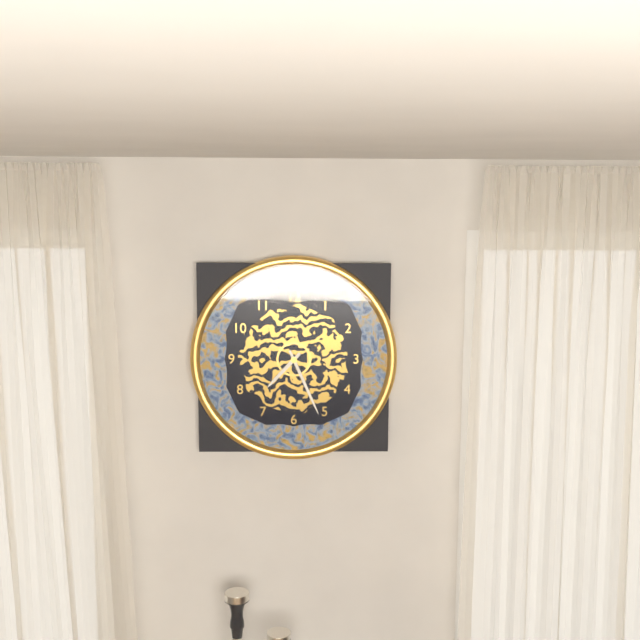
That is 7h26
